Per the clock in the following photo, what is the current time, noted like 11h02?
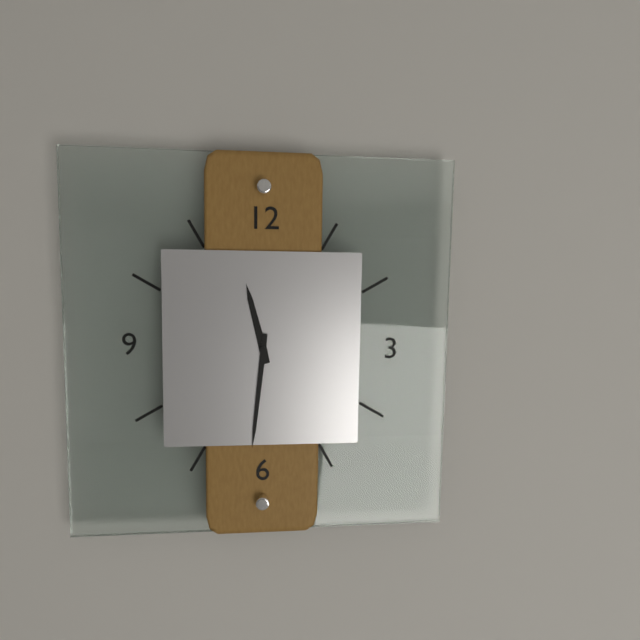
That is 11h31
